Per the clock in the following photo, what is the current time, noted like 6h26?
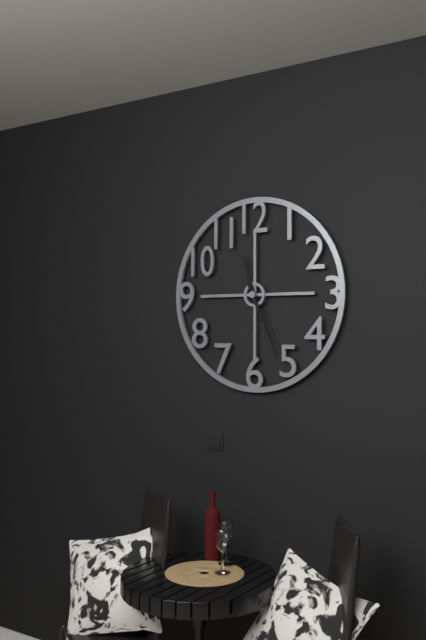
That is 11h26
